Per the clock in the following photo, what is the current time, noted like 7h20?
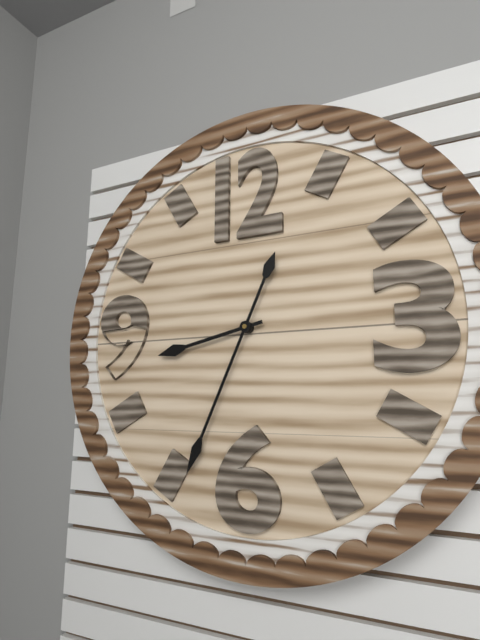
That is 8h34
